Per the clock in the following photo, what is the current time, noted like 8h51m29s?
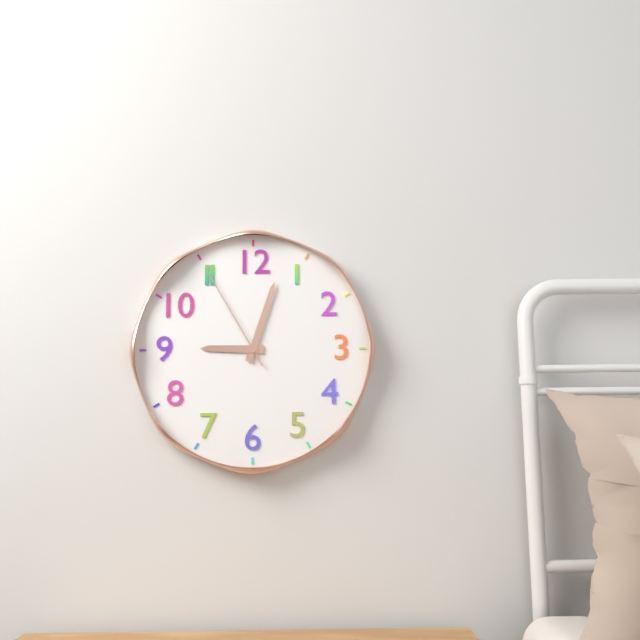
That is 9h03m55s
